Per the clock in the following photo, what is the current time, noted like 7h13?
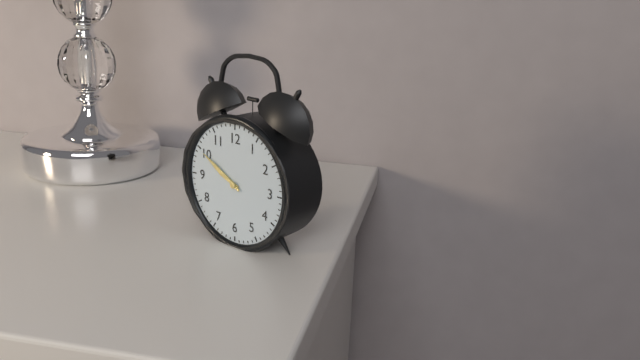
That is 9h50
